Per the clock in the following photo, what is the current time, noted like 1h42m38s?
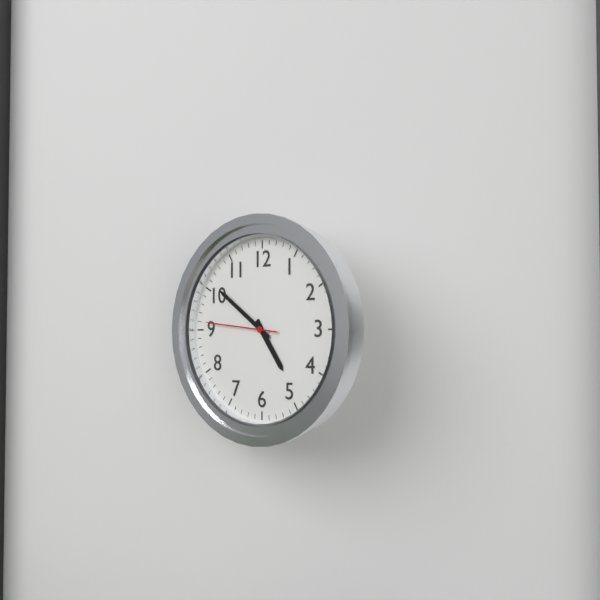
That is 4h51m46s
